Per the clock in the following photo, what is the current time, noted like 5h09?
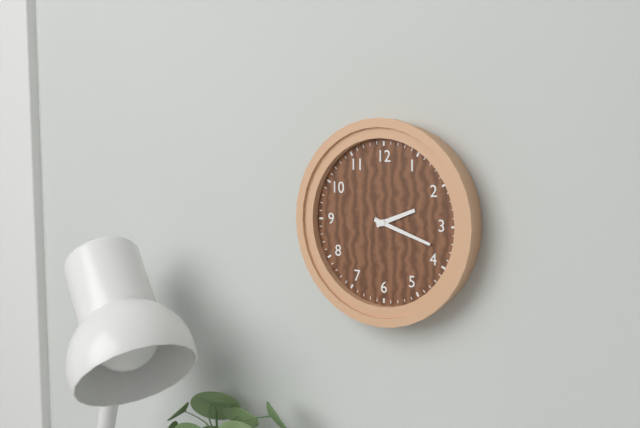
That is 2h18
